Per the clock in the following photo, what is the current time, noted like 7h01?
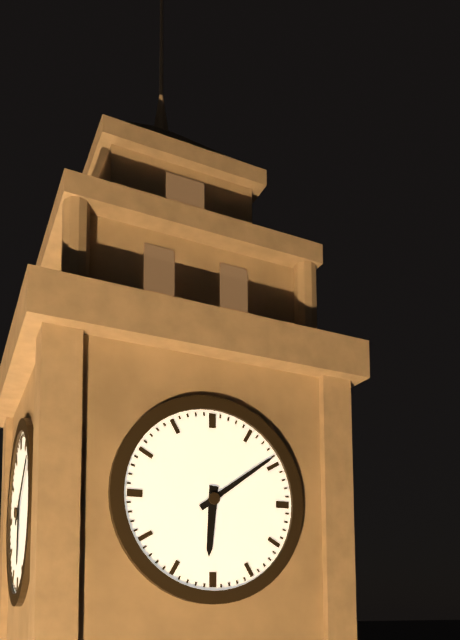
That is 6h09
